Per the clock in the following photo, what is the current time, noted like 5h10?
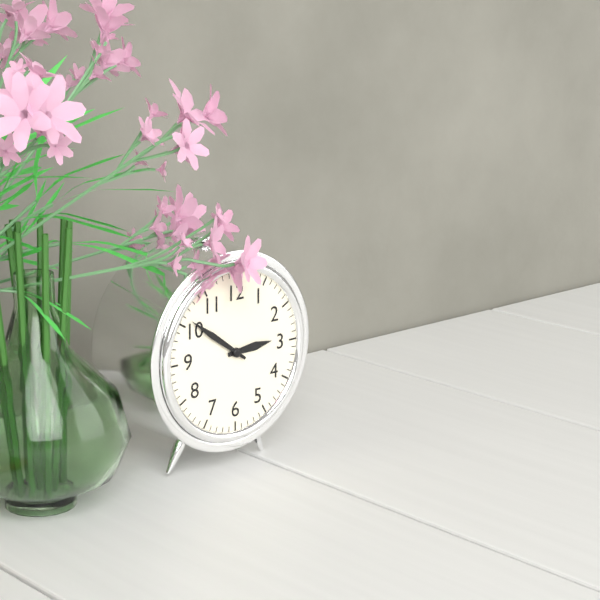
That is 2h51
